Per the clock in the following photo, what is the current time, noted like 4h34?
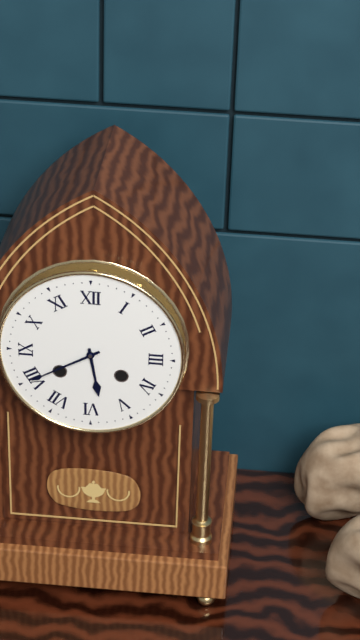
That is 5h40
